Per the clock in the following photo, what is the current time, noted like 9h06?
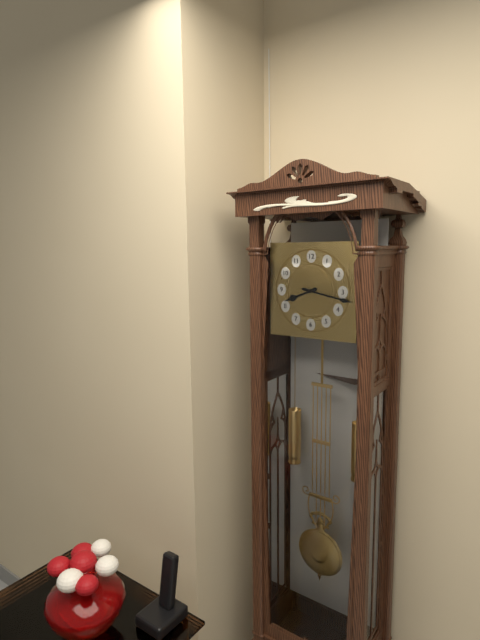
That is 8h17
